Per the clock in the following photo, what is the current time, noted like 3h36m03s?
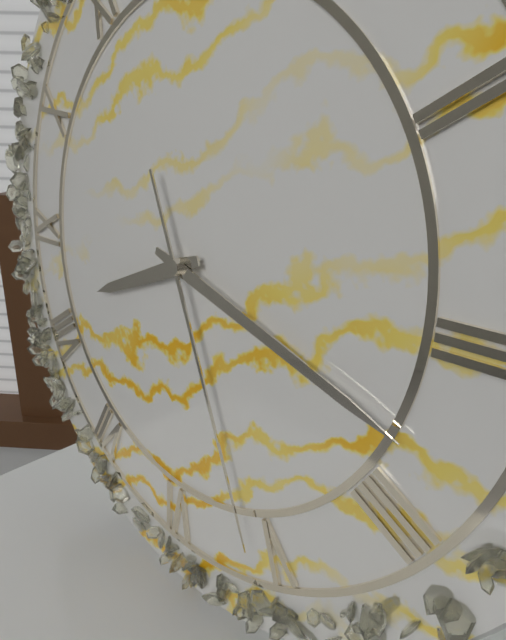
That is 8h18m26s
